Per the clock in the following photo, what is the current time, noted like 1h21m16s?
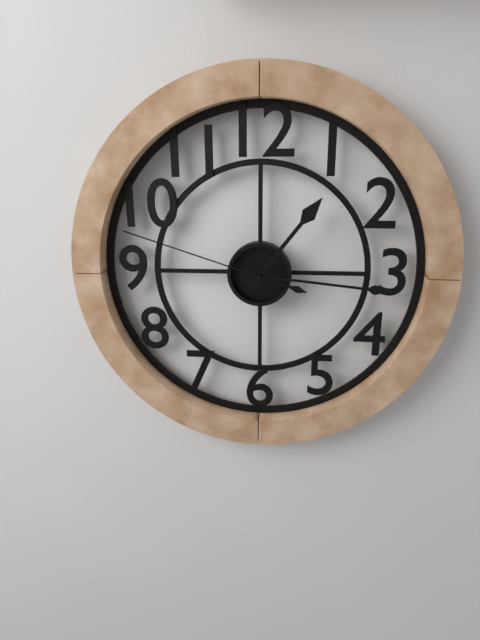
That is 1h16m48s
